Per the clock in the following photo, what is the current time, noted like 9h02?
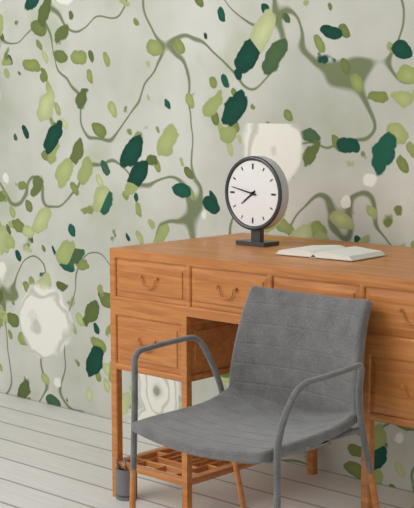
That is 7h47
